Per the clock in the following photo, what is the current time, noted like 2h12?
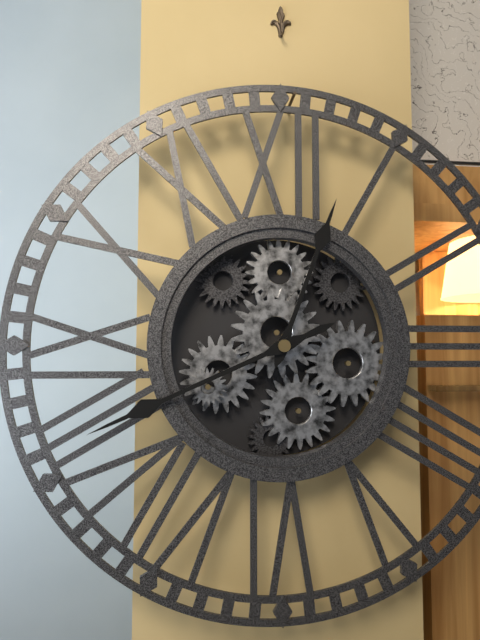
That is 12h41
